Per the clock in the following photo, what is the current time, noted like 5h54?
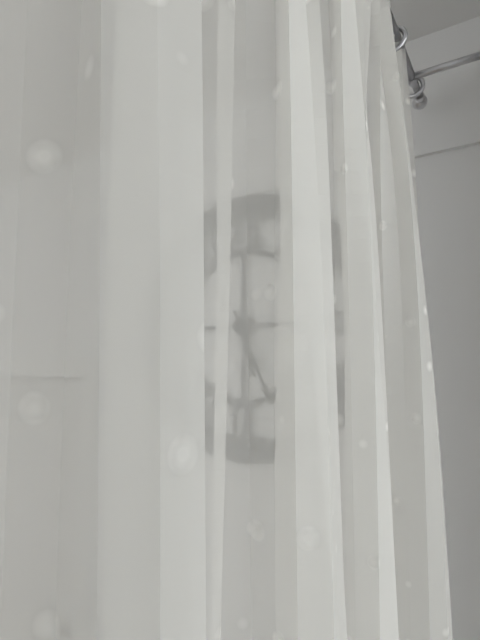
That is 5h26
